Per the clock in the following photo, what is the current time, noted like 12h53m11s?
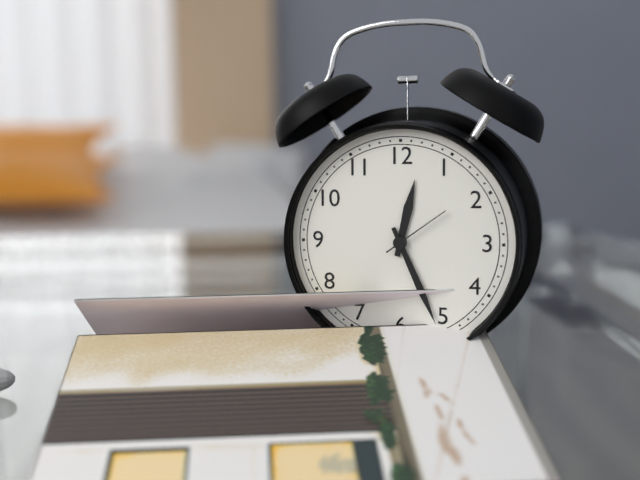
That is 12h26m09s
